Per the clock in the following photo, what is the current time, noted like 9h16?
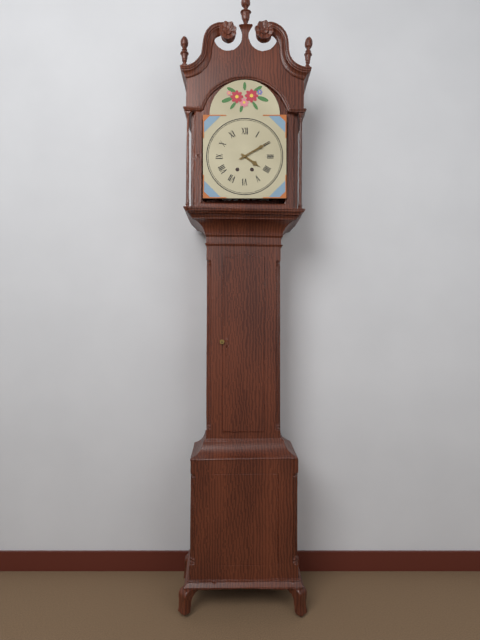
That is 4h10
